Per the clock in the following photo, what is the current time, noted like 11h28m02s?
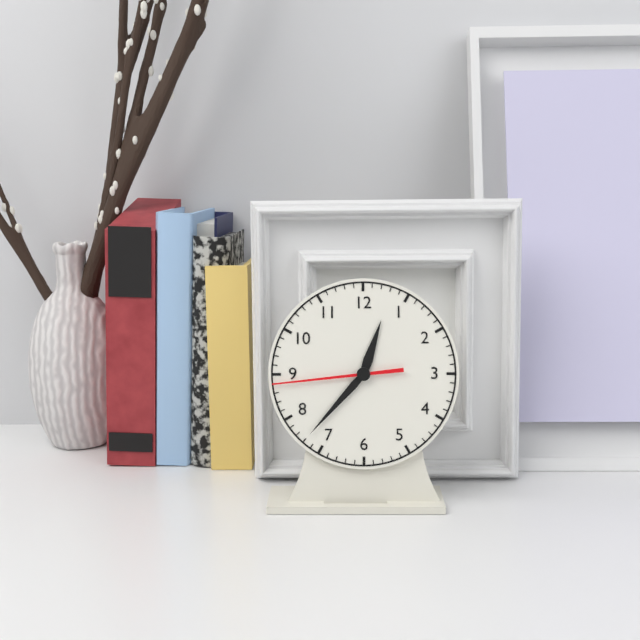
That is 12h37m44s
